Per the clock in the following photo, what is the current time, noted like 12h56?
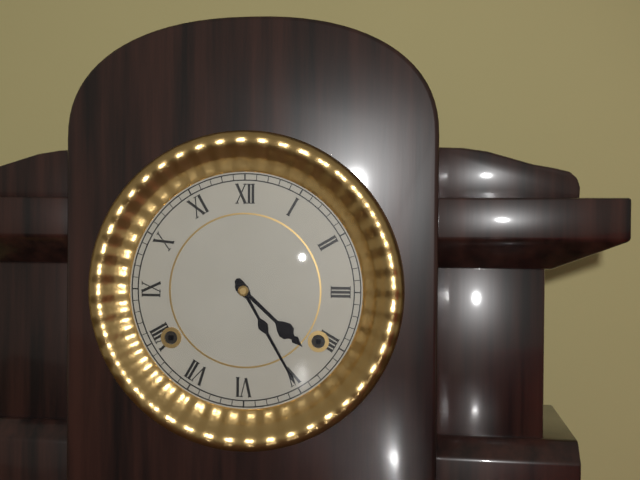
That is 4h25
